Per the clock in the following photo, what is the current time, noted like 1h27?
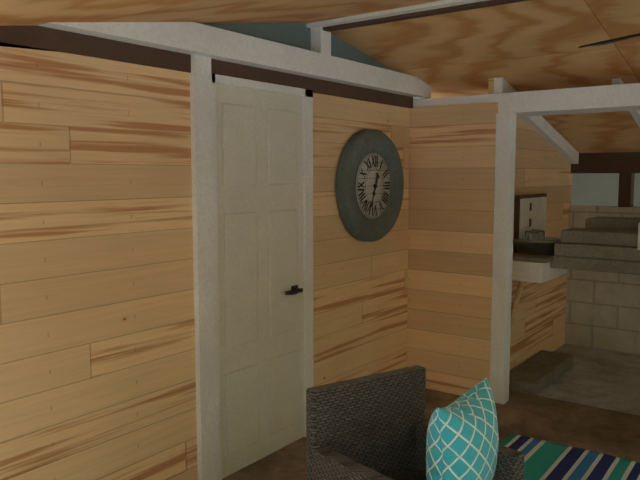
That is 12h34
